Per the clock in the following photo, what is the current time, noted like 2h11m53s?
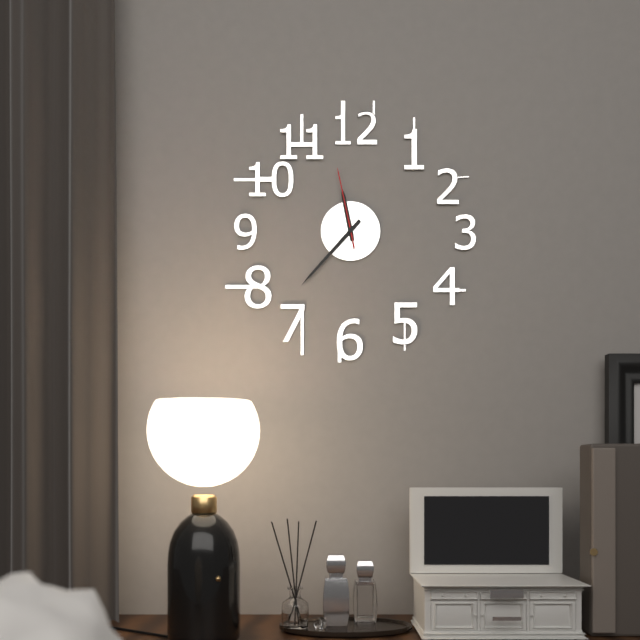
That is 11h37m58s
